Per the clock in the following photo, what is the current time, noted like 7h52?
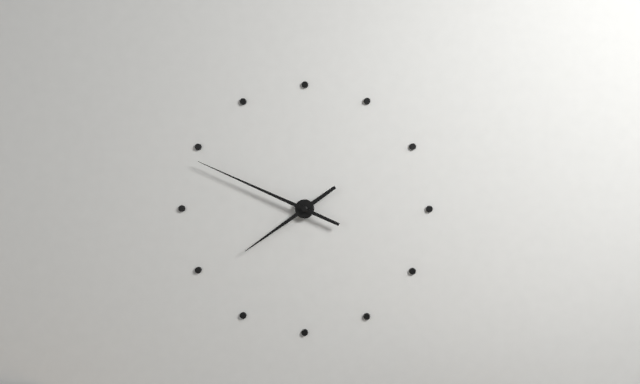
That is 7h49
